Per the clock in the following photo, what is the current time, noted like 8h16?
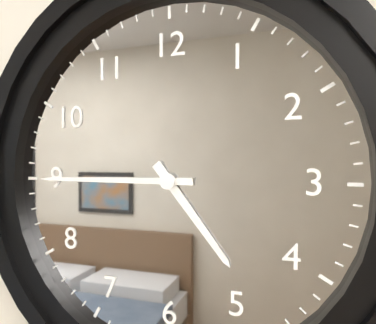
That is 4h45
